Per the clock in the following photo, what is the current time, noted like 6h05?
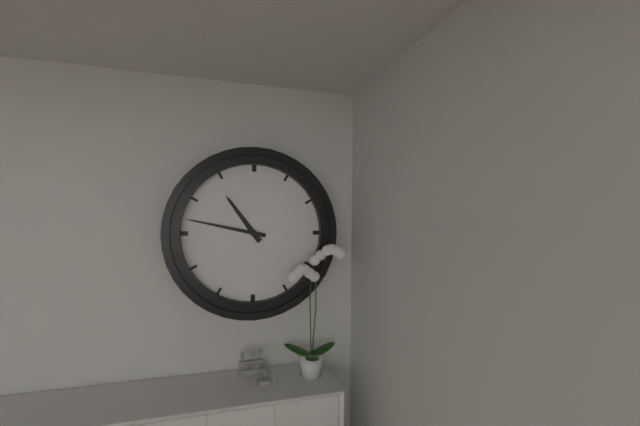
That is 10h47
